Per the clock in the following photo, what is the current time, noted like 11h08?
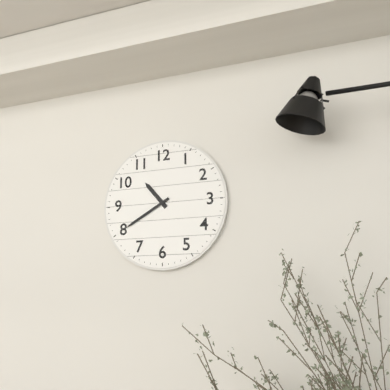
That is 10h40
